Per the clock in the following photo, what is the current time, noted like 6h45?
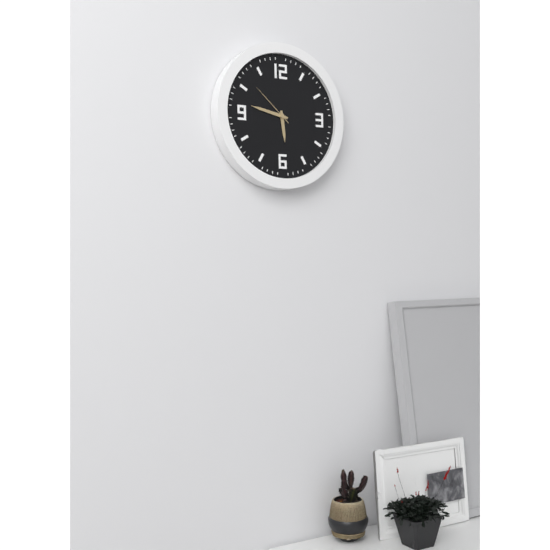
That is 5h47
